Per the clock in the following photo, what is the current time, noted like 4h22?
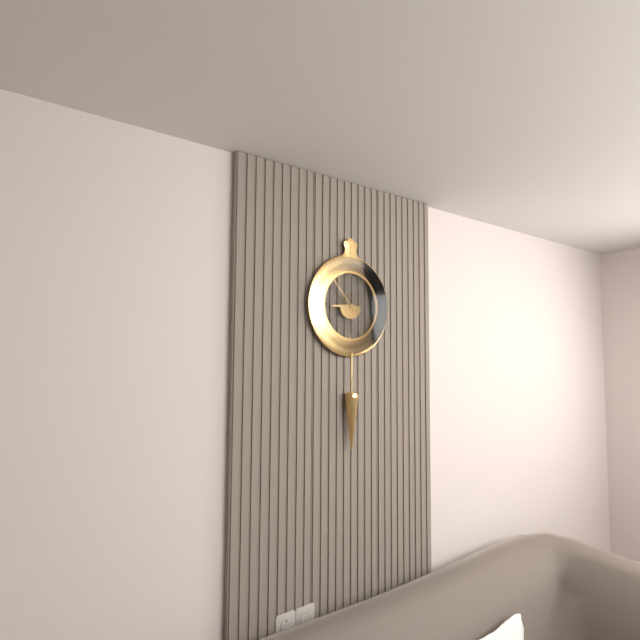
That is 8h53
